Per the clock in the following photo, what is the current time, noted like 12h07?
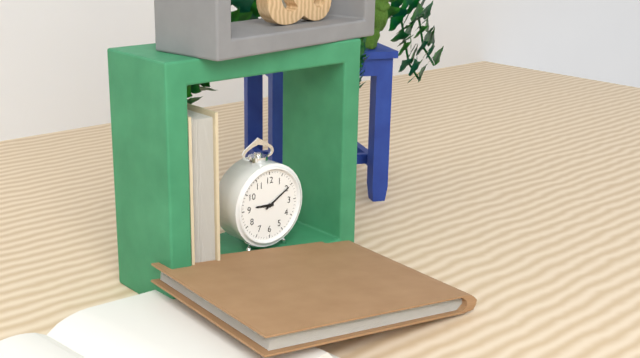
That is 9h10
